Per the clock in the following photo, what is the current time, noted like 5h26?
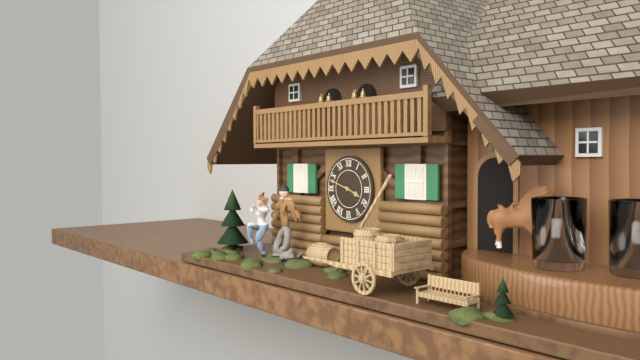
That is 3h48
